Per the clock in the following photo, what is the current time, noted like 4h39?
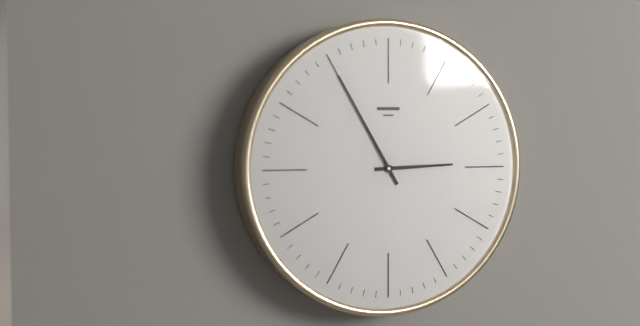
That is 2h55
